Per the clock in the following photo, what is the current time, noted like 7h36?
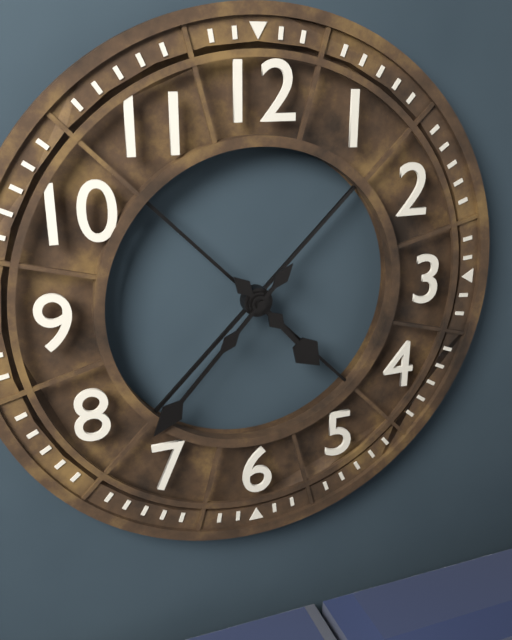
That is 4h37
